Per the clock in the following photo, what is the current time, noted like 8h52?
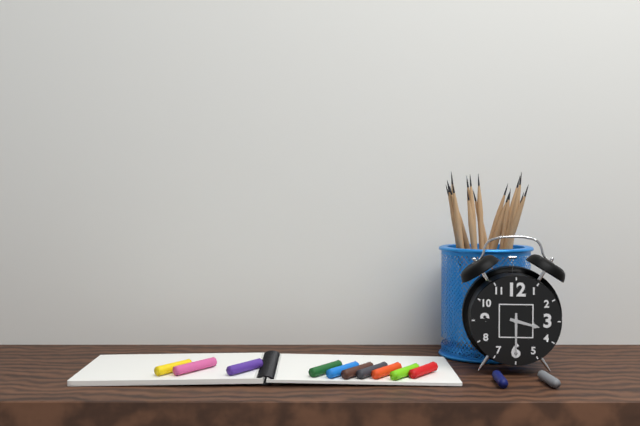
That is 3h30
